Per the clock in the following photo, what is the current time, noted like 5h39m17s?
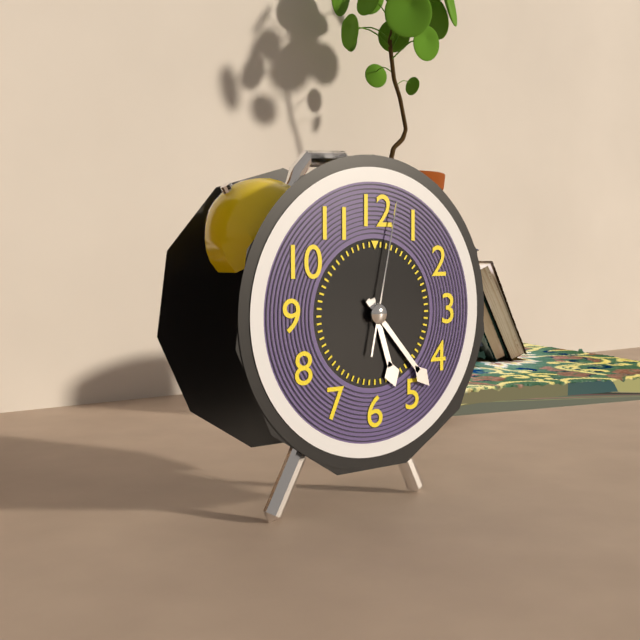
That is 5h23m02s
